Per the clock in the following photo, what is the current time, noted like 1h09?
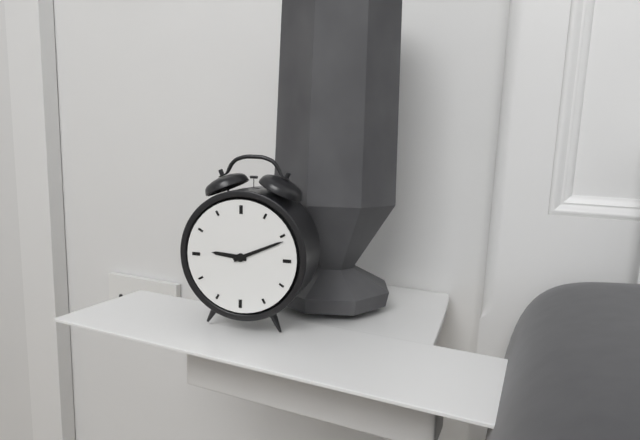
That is 9h11
